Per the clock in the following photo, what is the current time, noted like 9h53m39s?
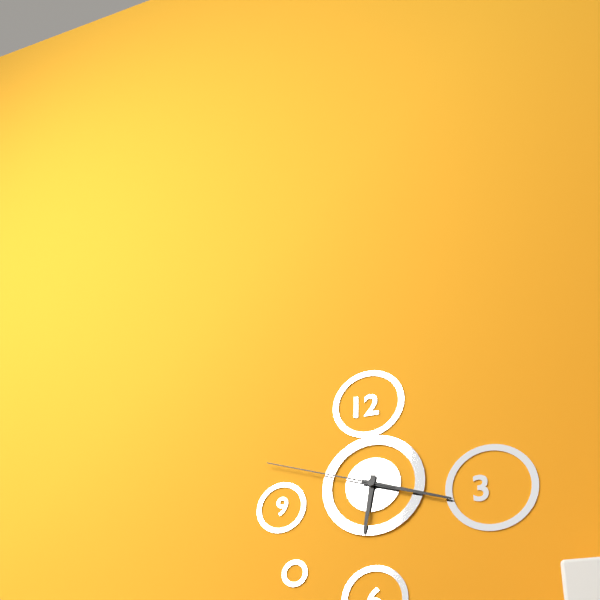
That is 6h18m48s
